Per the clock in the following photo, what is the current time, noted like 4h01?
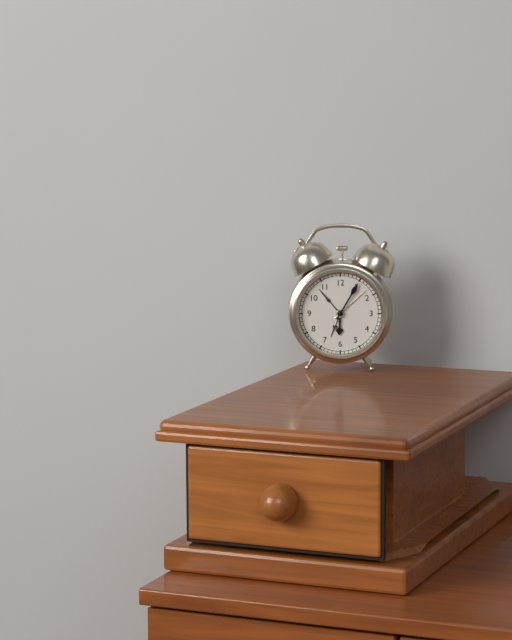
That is 6h05
